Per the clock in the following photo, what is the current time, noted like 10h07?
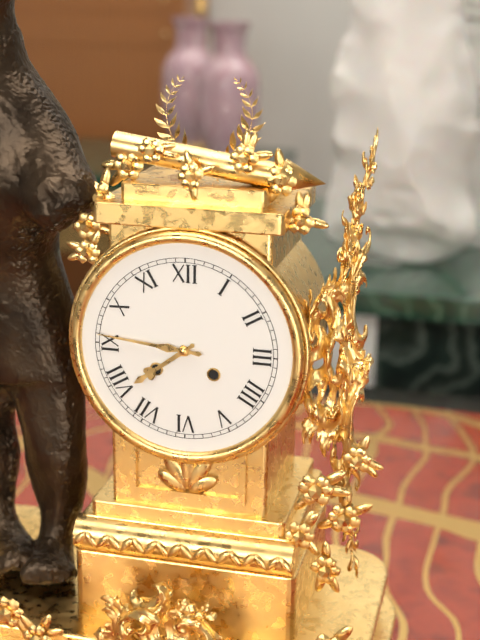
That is 7h46
